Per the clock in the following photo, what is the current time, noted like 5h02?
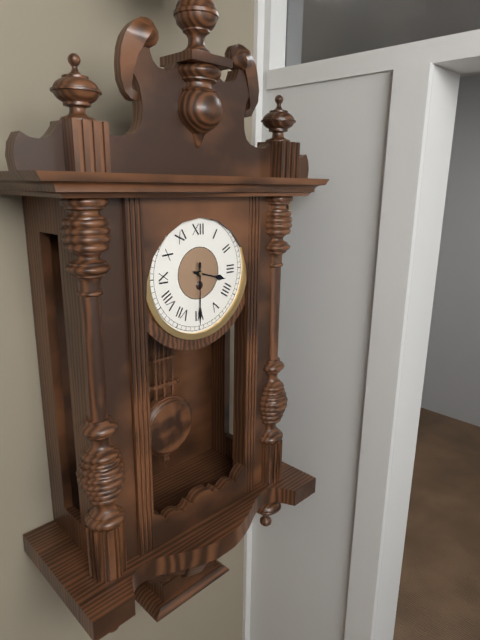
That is 3h30
